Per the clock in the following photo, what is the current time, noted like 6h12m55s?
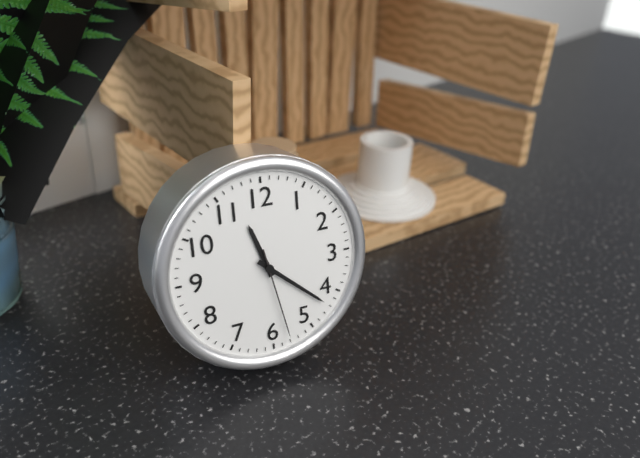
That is 11h22m28s
